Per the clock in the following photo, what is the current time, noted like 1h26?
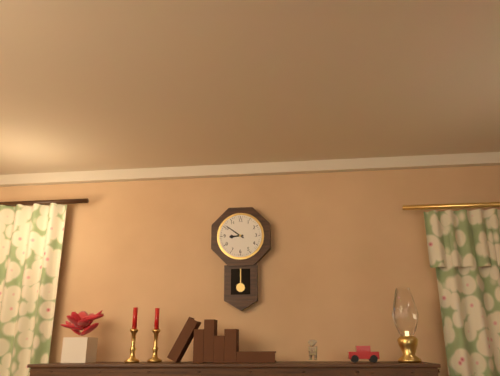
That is 8h51
